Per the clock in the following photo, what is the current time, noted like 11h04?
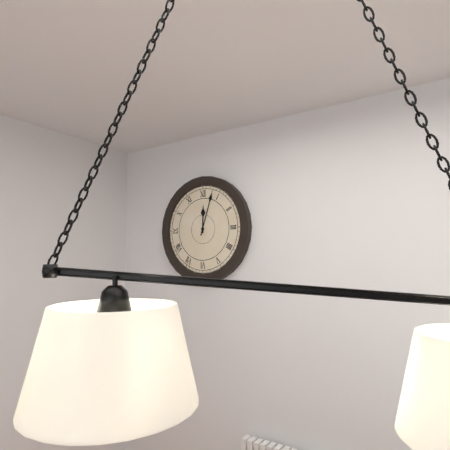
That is 12h03
